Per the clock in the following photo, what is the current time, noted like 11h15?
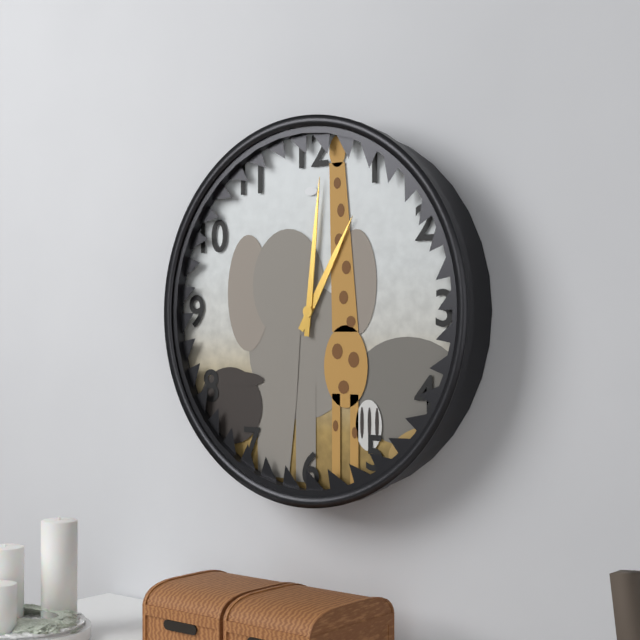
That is 1h01
